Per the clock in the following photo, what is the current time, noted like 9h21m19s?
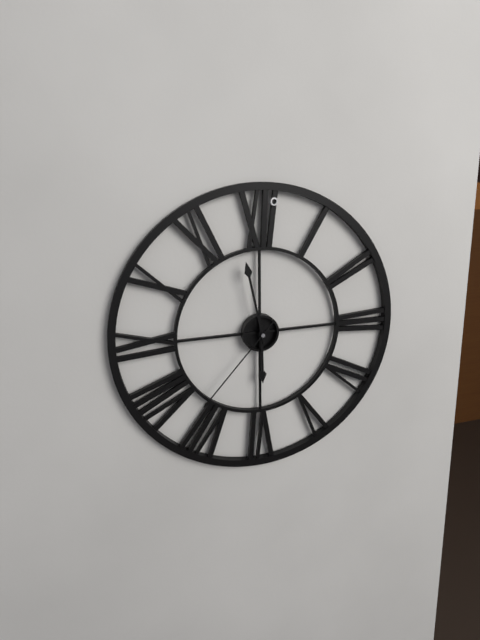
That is 5h58m37s
